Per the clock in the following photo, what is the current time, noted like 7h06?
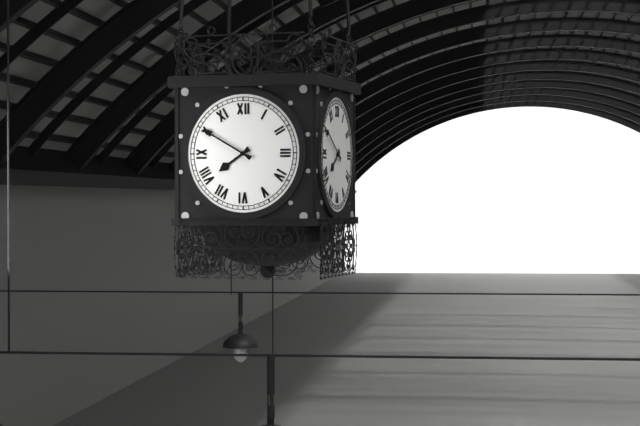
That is 7h50
